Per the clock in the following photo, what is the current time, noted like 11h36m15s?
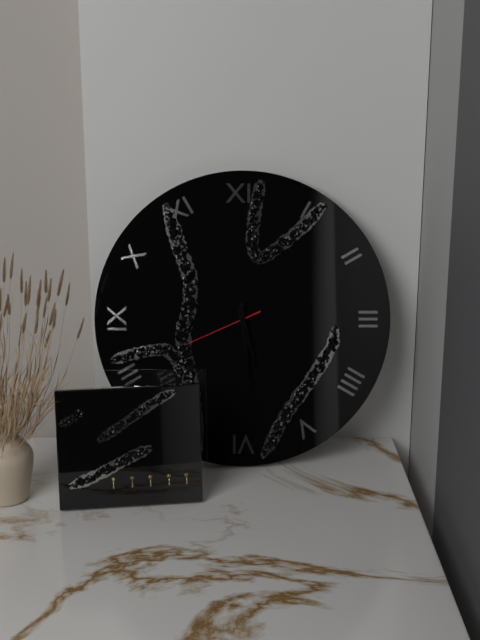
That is 5h29m41s
